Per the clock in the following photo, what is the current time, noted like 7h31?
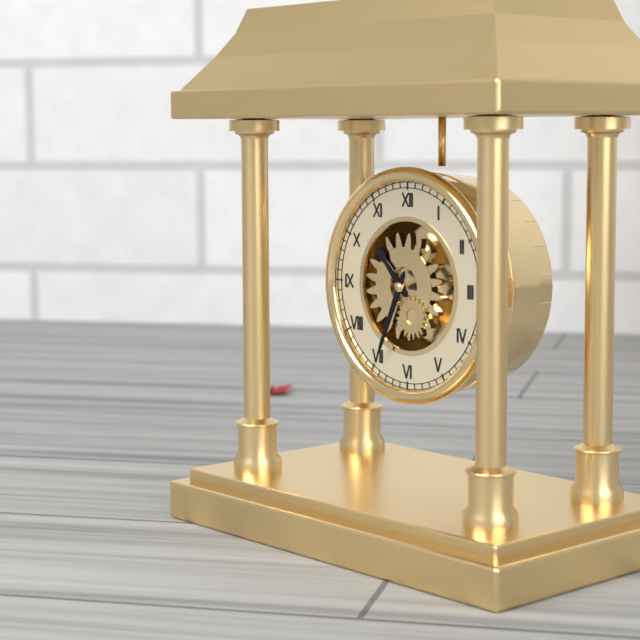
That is 10h34
